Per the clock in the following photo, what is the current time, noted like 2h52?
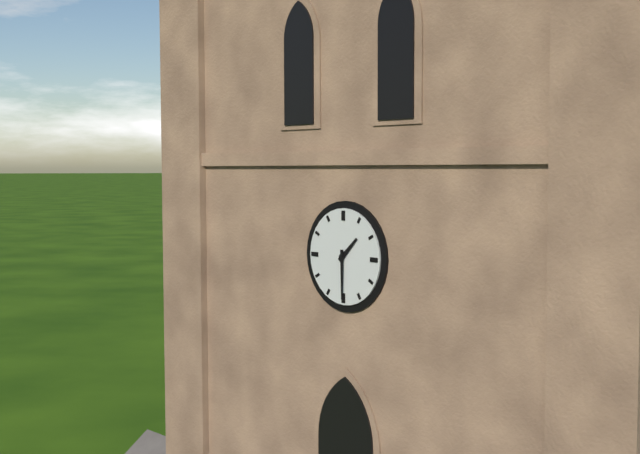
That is 1h30
